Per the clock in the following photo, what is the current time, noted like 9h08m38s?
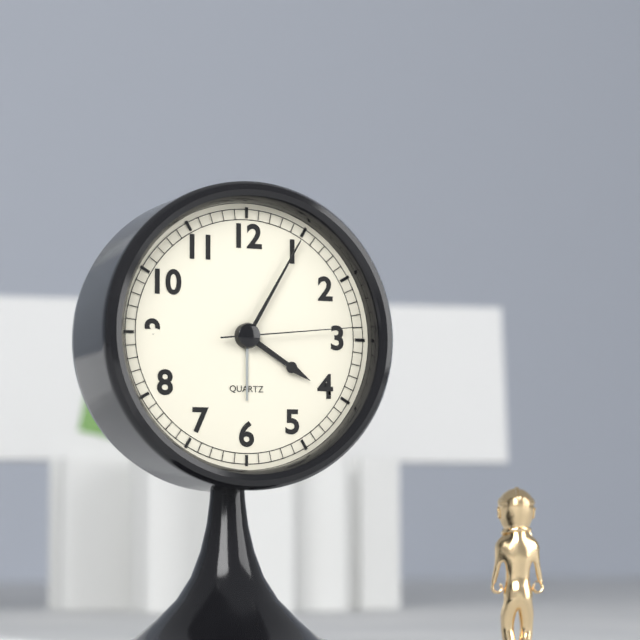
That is 4h05m14s
